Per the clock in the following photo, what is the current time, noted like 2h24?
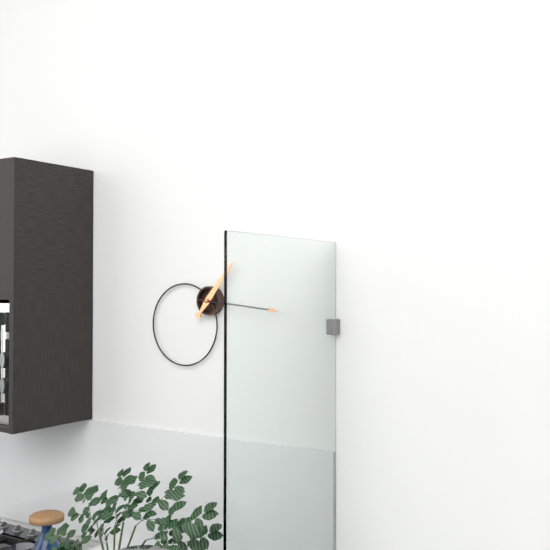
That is 1h16
